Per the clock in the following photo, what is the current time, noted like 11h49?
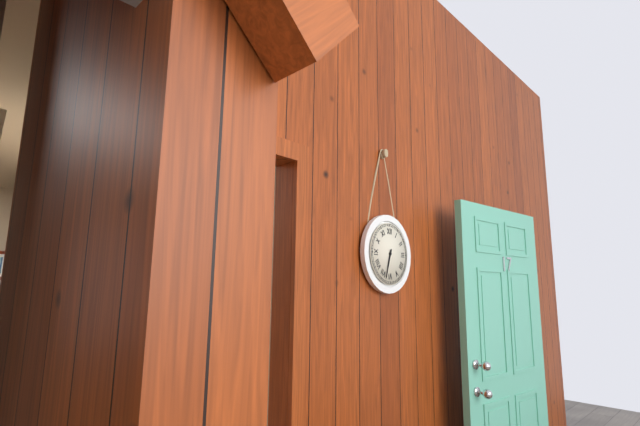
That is 6h33
